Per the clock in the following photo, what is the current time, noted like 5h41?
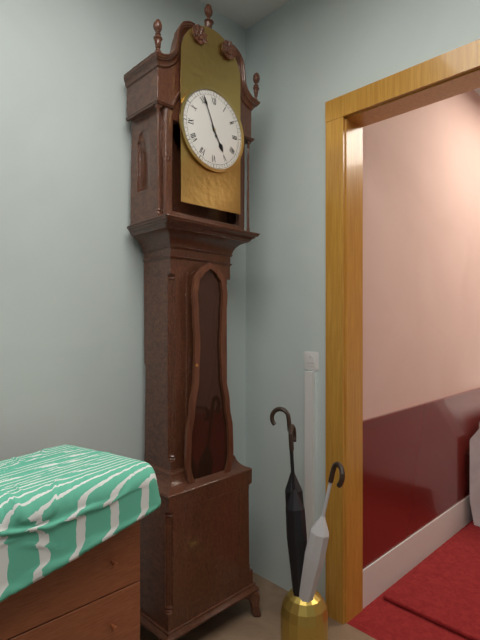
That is 4h56
